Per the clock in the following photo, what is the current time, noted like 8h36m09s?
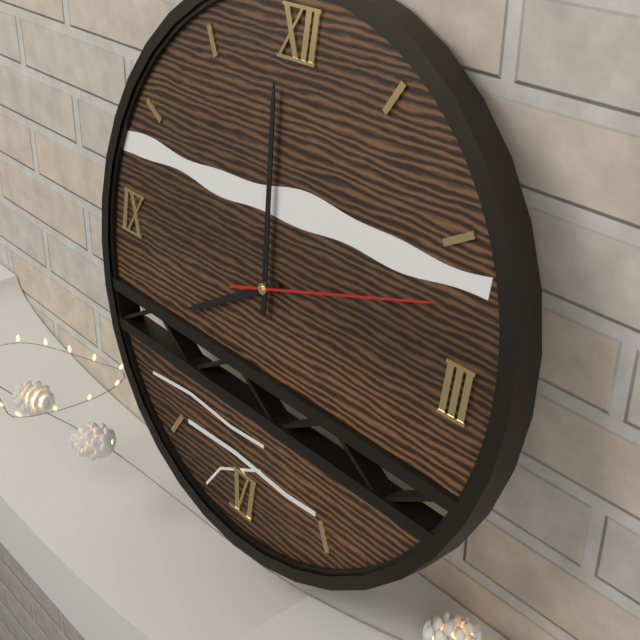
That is 7h59m12s
